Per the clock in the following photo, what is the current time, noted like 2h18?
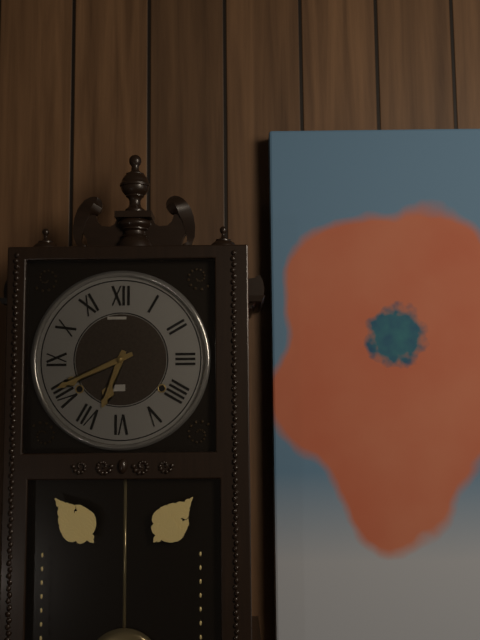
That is 6h41
